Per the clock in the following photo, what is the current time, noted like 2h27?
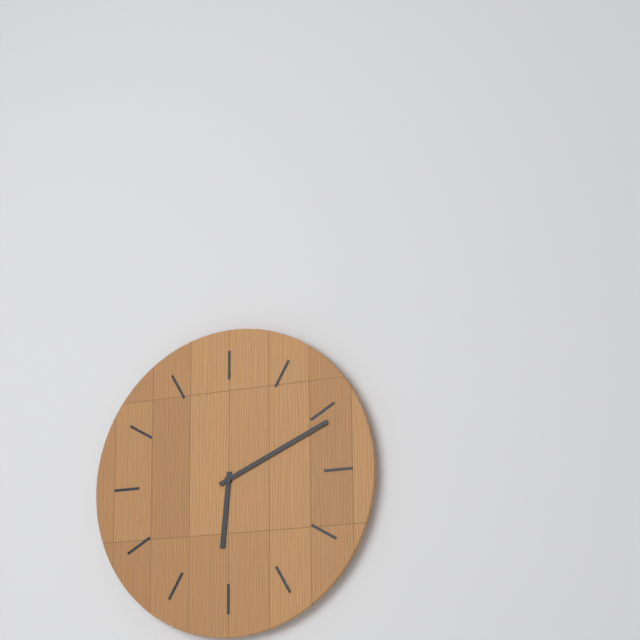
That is 6h11
